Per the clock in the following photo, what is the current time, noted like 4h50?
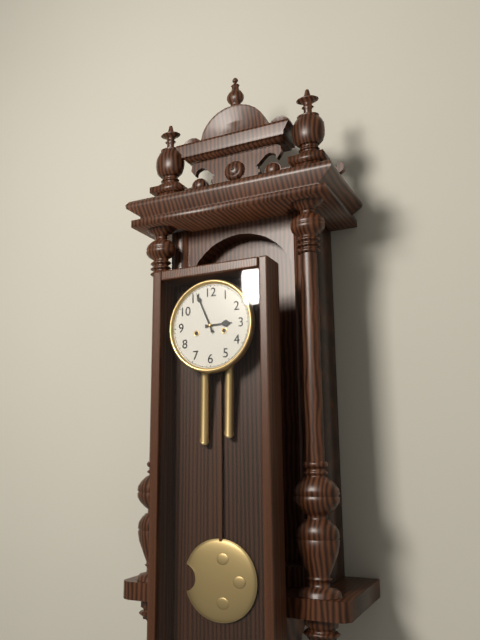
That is 2h56
